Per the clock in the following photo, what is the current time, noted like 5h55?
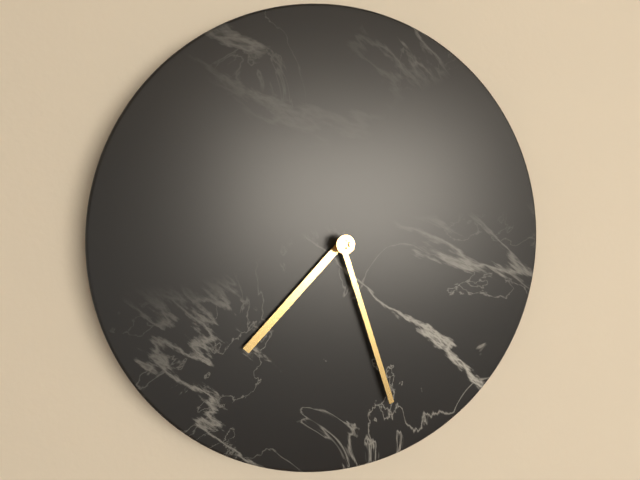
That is 7h27
